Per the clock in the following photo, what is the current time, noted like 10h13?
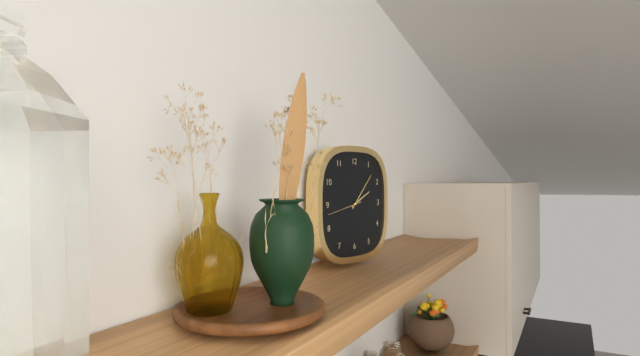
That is 2h07
